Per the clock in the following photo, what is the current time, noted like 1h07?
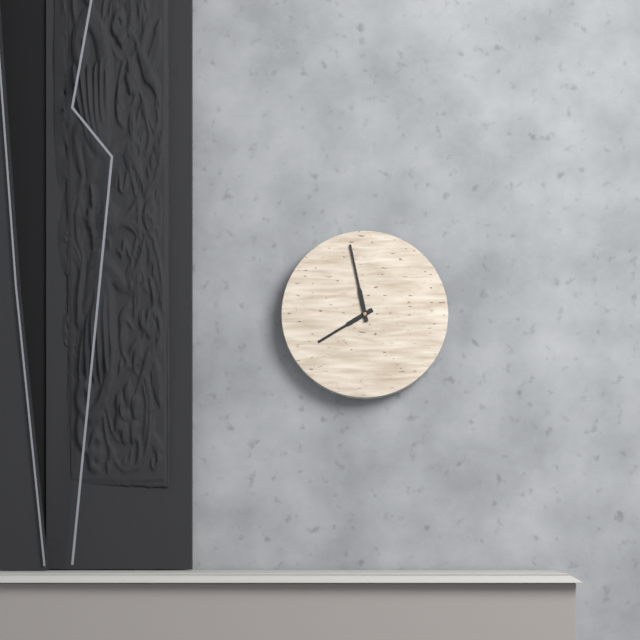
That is 7h58
